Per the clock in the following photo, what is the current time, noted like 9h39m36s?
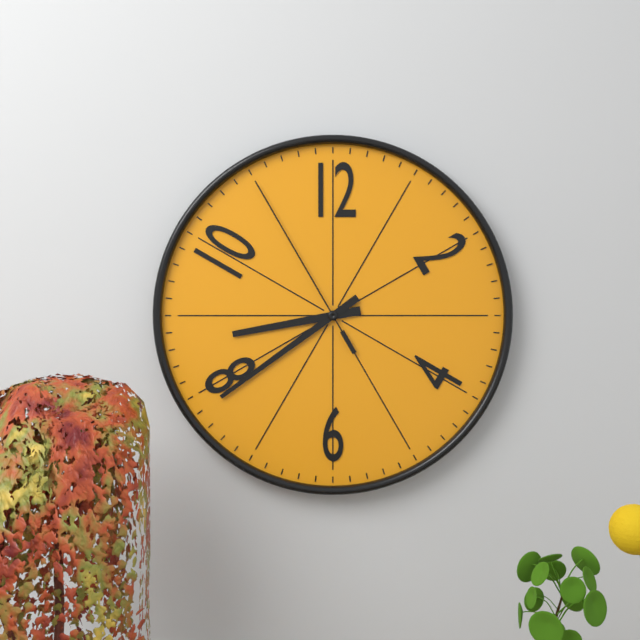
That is 8h39m55s
